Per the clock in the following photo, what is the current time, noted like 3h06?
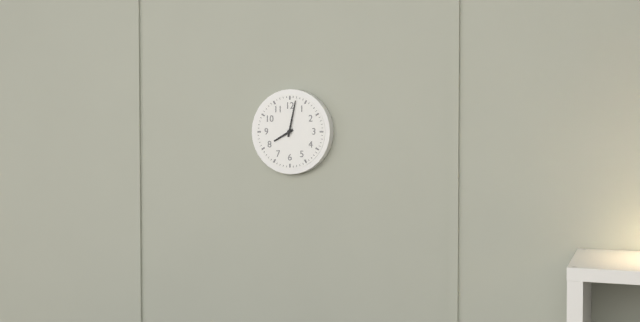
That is 8h02
